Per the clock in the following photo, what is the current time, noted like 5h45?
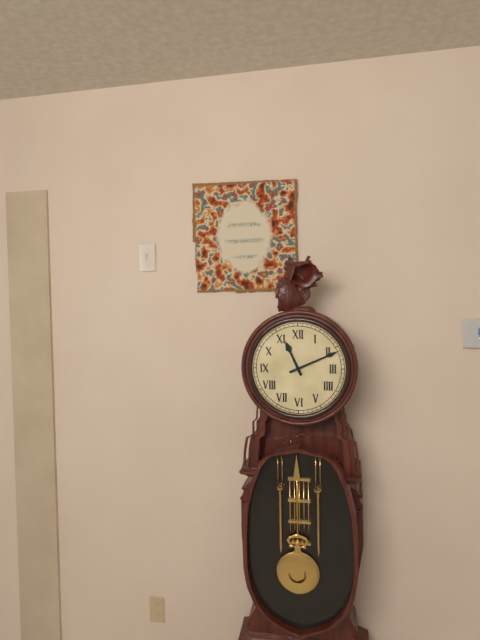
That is 11h11
